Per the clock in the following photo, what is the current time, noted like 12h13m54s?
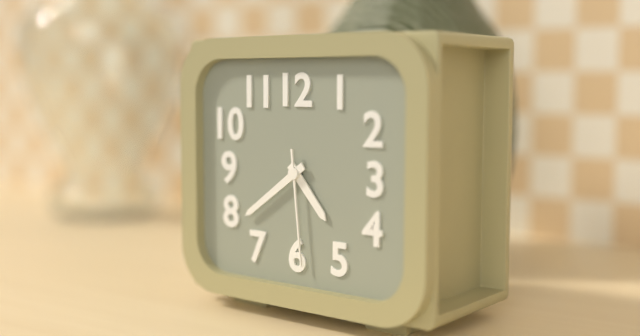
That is 4h39m29s
